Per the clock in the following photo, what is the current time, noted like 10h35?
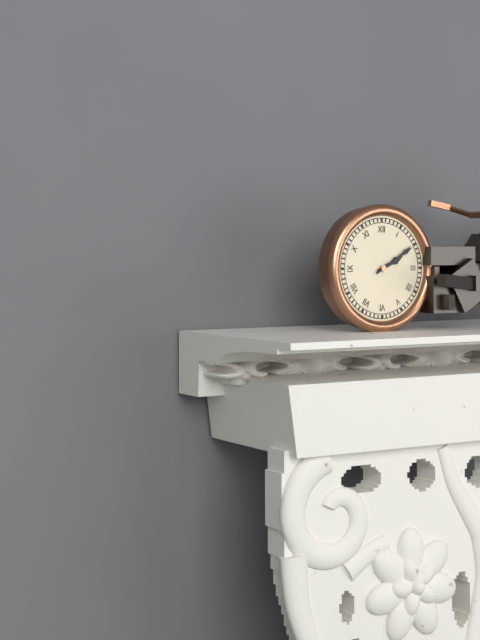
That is 2h10
